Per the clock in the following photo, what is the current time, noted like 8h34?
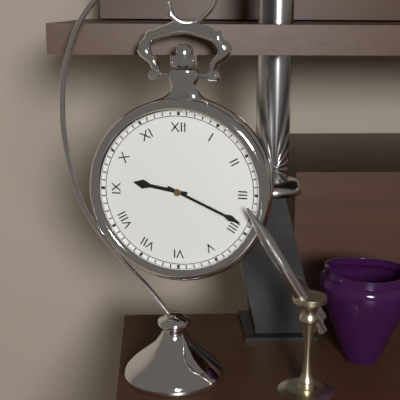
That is 9h19
